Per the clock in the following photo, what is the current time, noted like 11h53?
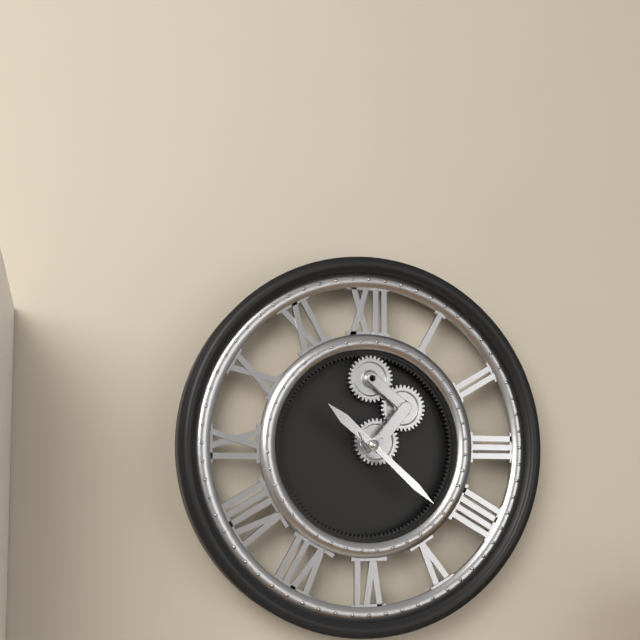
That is 10h22
